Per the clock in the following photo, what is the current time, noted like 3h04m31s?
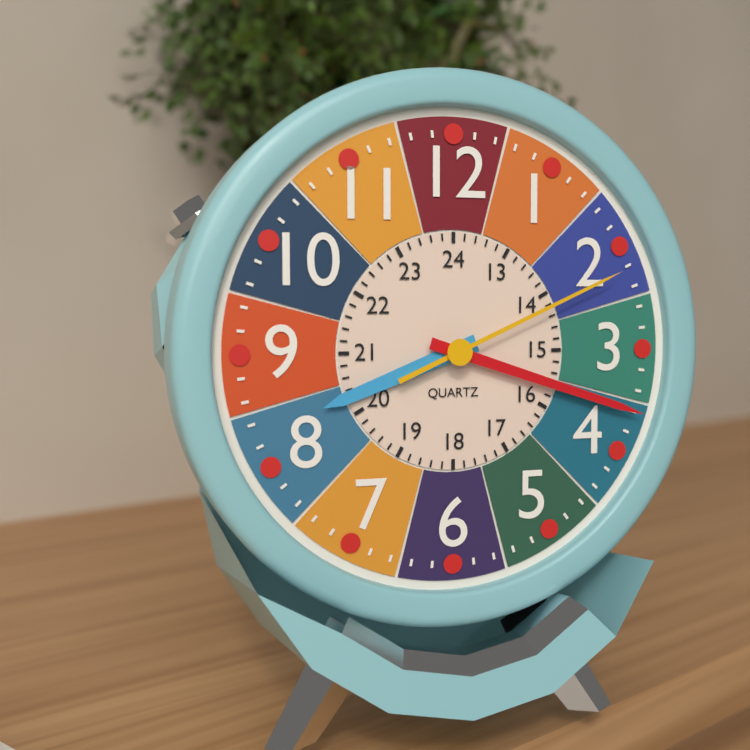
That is 8h18m11s
